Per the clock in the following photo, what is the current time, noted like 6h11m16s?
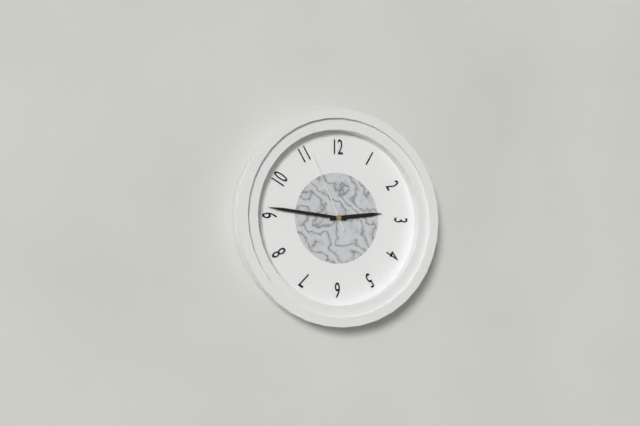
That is 2h46m56s
